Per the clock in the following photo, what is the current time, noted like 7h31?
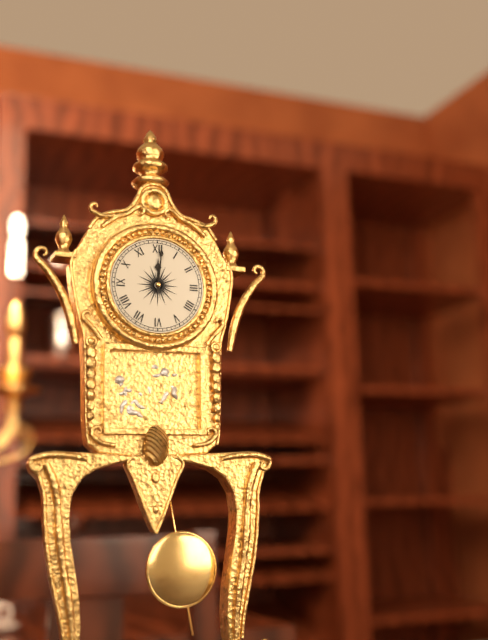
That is 12h01
